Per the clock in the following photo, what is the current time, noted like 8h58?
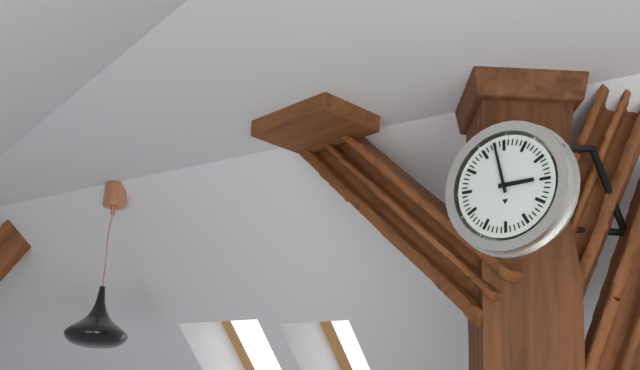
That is 2h58
